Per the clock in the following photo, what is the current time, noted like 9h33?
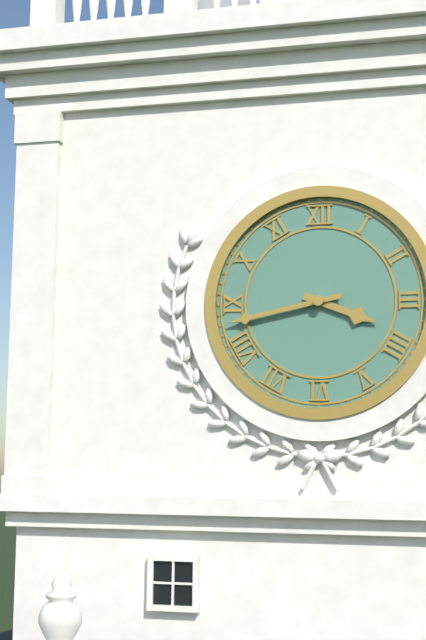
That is 3h43
